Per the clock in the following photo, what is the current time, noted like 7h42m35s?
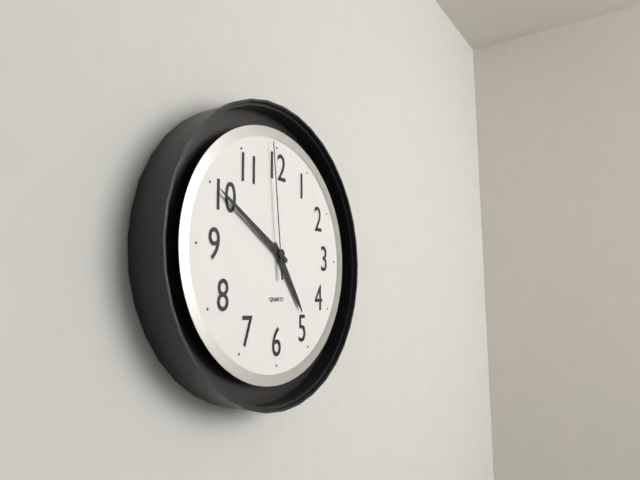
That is 4h50m59s
